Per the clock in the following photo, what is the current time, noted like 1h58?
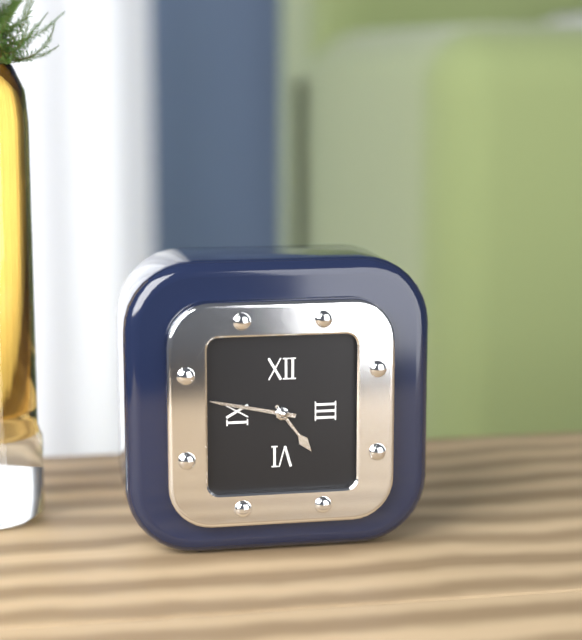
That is 4h47
